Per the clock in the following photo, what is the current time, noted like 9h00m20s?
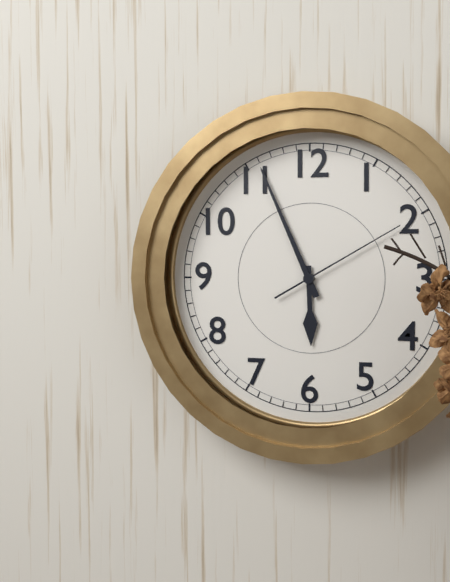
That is 5h56m10s
